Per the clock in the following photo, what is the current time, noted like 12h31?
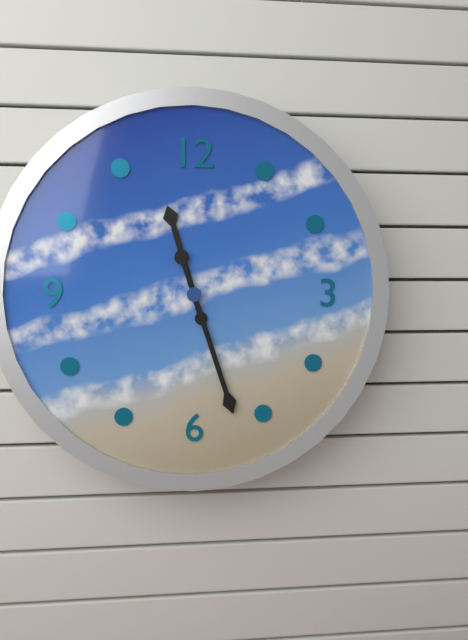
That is 11h27
